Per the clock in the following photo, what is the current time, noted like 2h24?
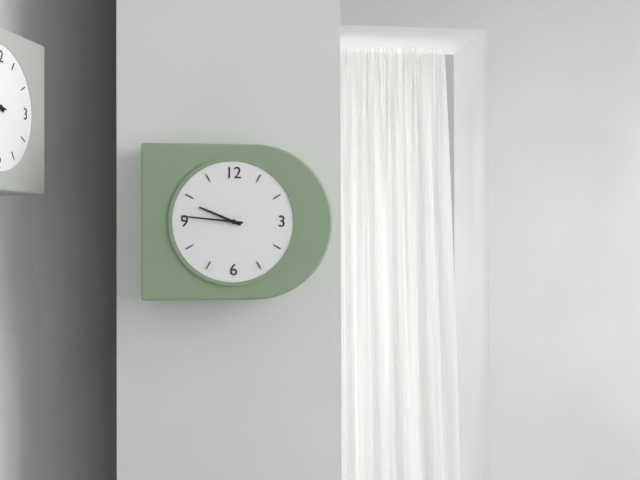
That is 9h46
